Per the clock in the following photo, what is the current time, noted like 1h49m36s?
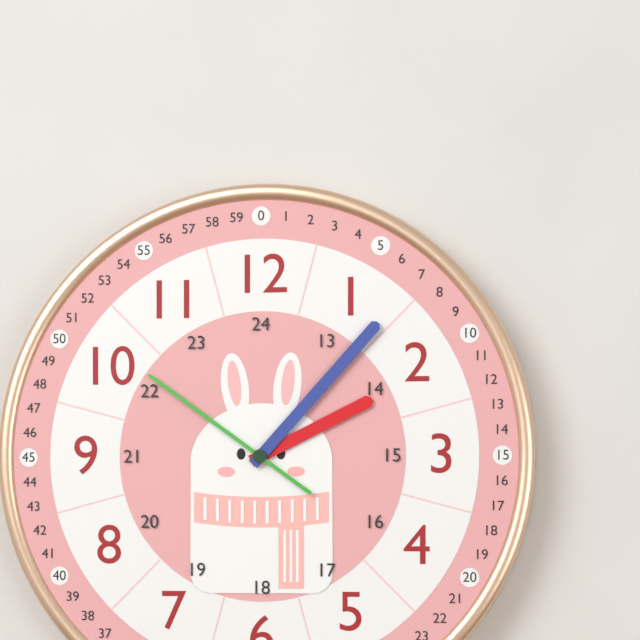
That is 2h07m51s
